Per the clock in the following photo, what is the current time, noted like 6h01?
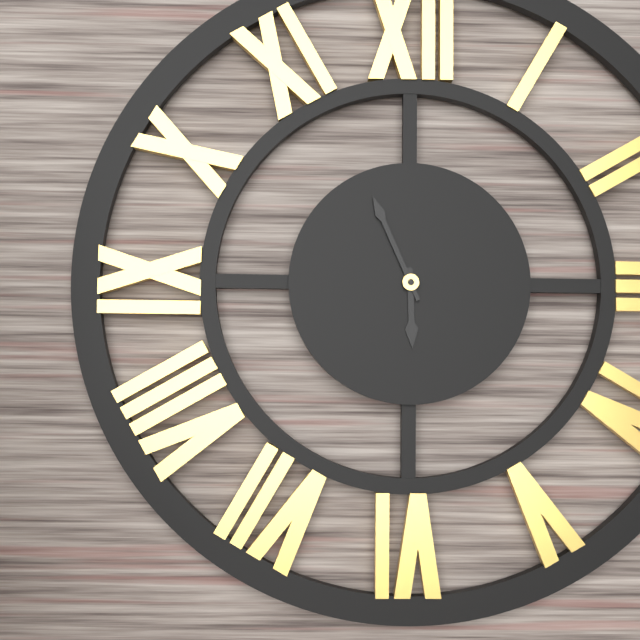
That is 5h56
